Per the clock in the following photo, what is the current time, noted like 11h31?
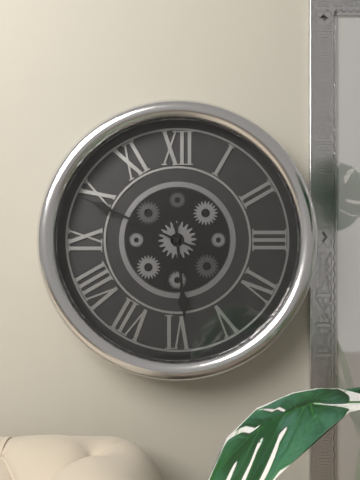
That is 5h49
